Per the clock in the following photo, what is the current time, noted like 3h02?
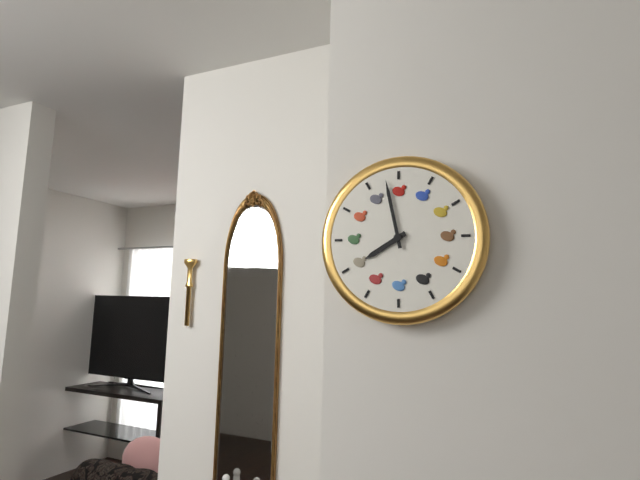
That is 7h58
